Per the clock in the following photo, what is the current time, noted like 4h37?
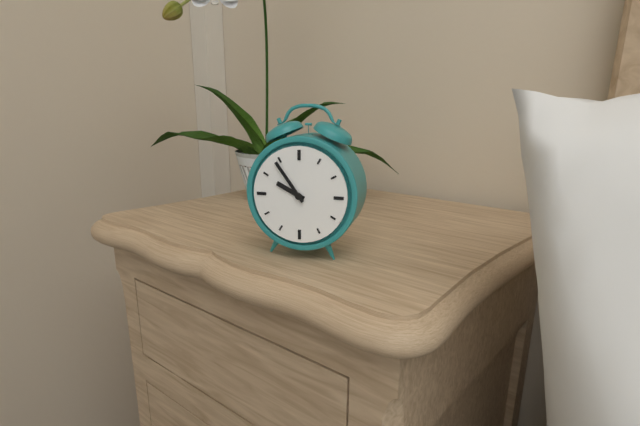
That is 9h54
